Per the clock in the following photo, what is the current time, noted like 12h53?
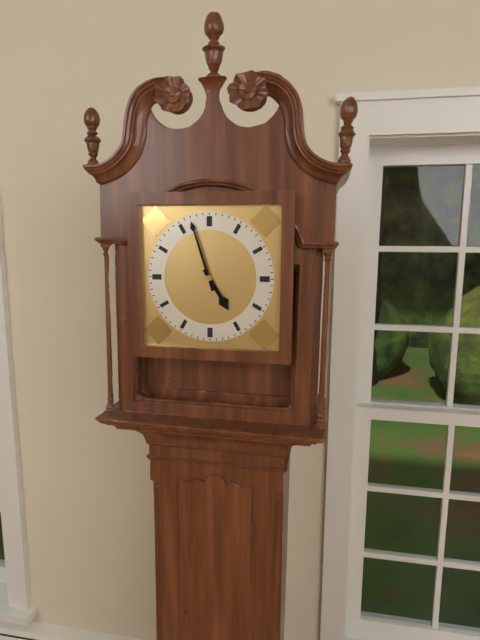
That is 4h57
